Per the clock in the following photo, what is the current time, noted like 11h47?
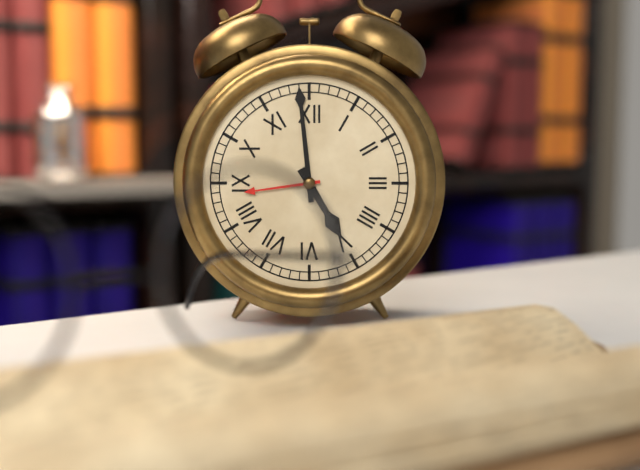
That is 4h59
